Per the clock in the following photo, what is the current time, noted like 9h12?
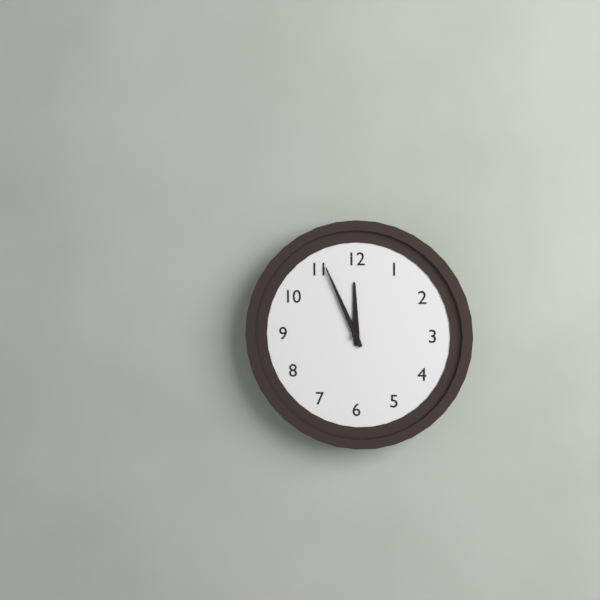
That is 11h56
